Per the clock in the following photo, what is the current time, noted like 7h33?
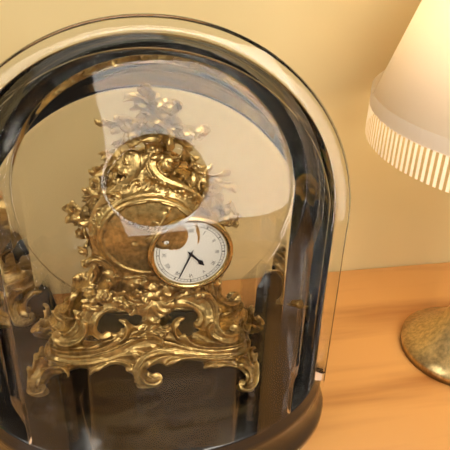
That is 4h34
